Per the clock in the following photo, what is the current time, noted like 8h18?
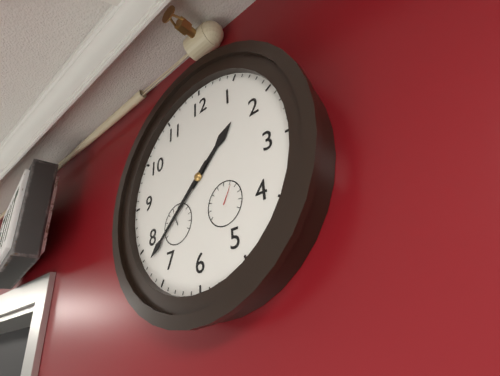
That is 1h38
